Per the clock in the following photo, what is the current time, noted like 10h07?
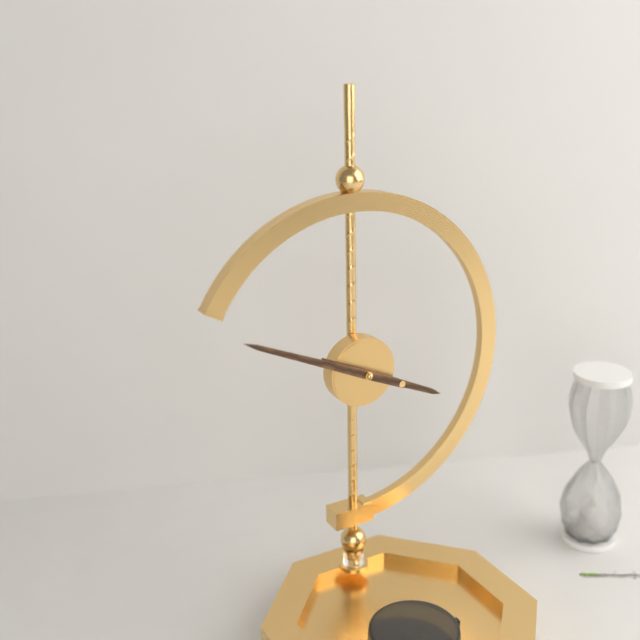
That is 3h49
